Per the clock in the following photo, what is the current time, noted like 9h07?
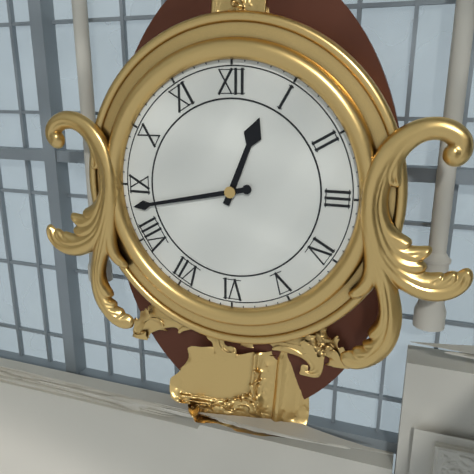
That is 12h43
